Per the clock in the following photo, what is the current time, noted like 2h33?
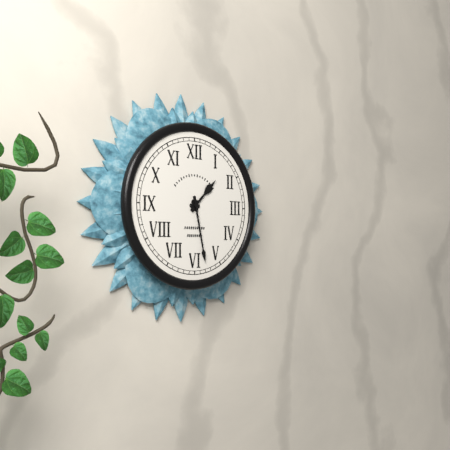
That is 1h28
